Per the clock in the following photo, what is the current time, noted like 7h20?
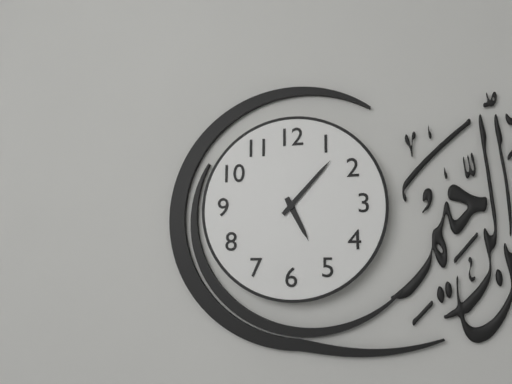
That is 5h07
